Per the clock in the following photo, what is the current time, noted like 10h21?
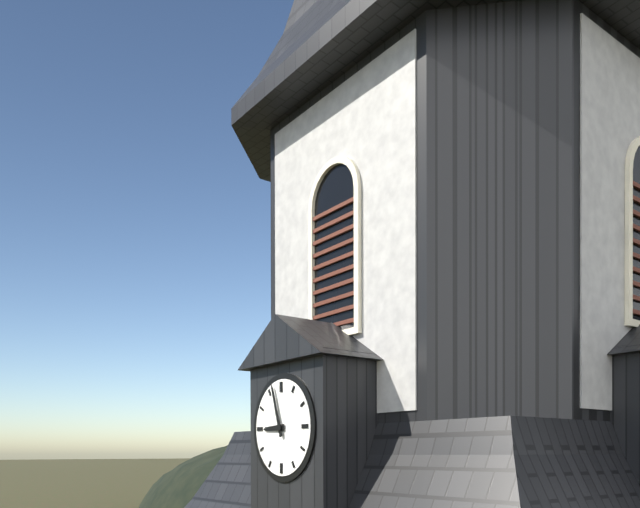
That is 8h57
